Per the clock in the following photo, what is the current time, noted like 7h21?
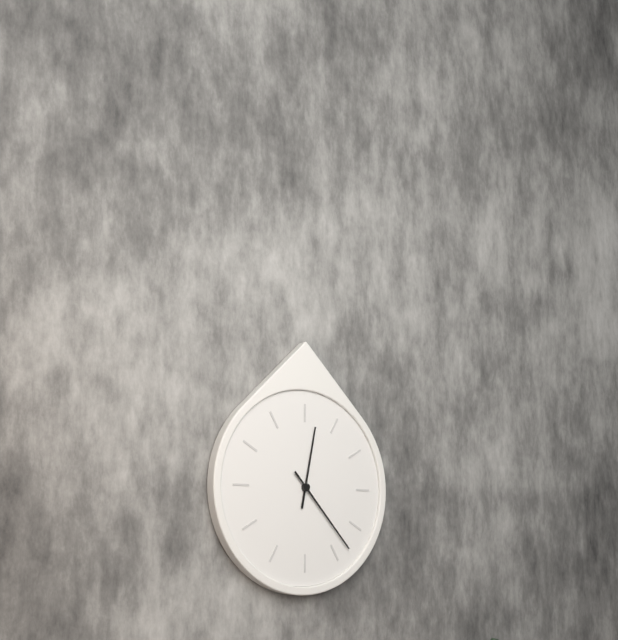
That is 12h23
